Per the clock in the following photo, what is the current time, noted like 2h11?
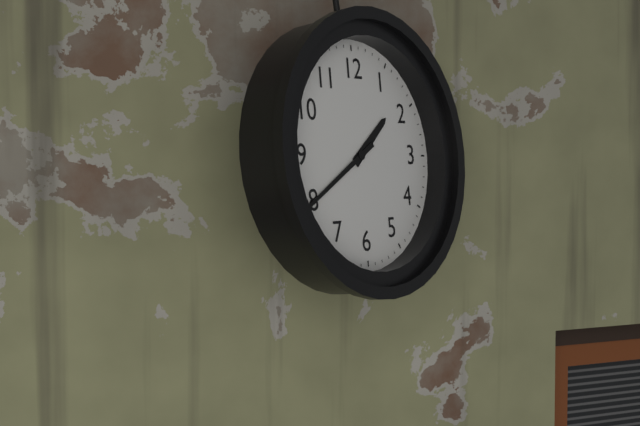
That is 1h40
